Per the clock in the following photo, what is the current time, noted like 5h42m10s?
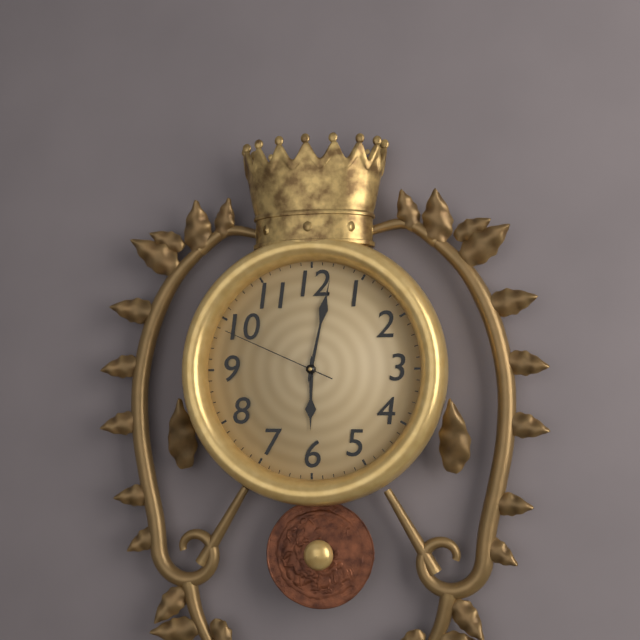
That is 6h02m49s
